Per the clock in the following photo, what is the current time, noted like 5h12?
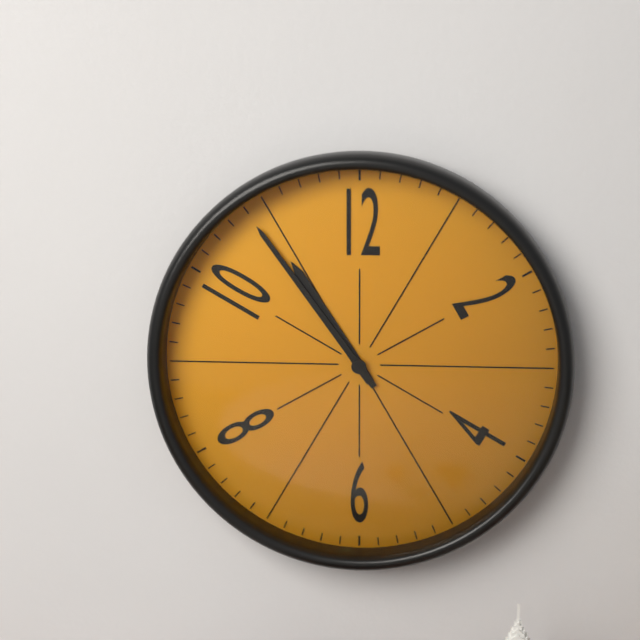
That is 10h54
